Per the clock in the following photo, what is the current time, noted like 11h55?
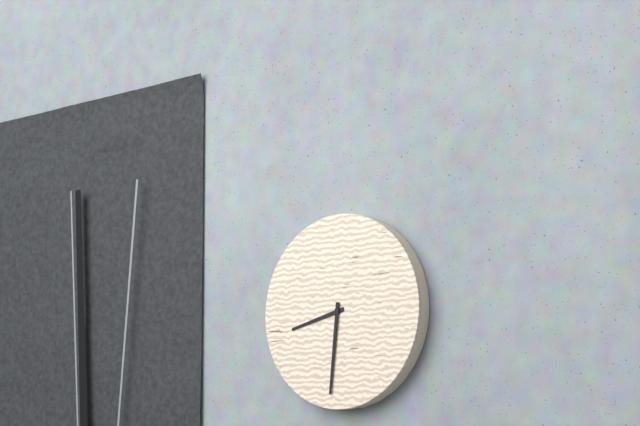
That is 8h31
